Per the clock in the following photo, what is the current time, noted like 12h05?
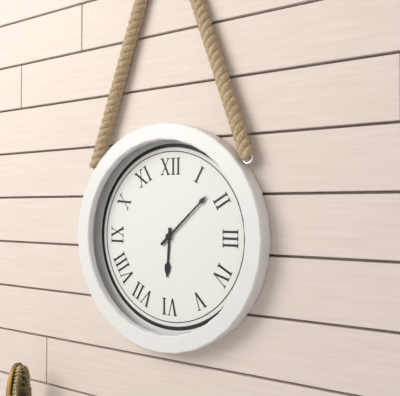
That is 6h08
